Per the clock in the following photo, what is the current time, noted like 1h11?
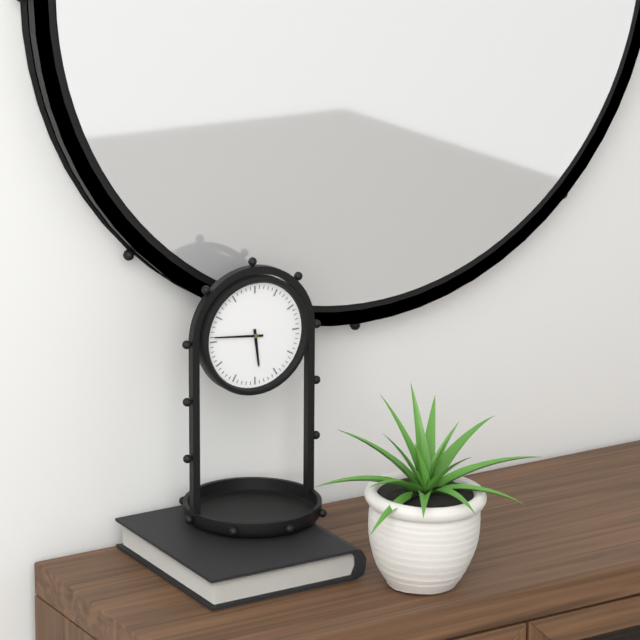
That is 5h46
